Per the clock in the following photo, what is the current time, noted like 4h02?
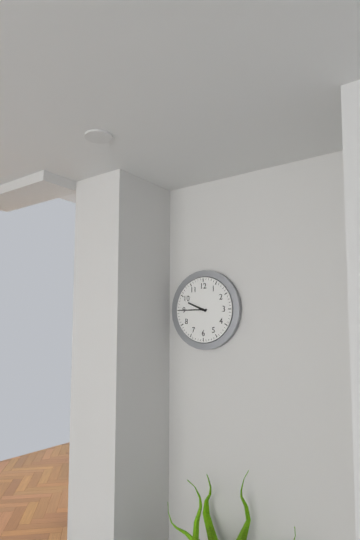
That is 9h45
